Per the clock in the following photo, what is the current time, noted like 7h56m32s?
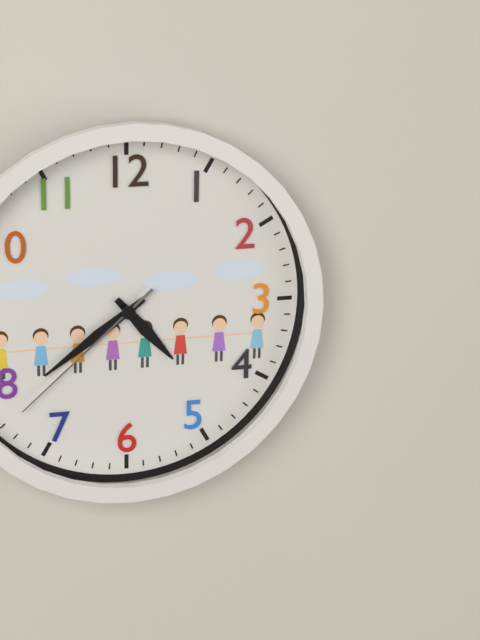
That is 4h39m38s
